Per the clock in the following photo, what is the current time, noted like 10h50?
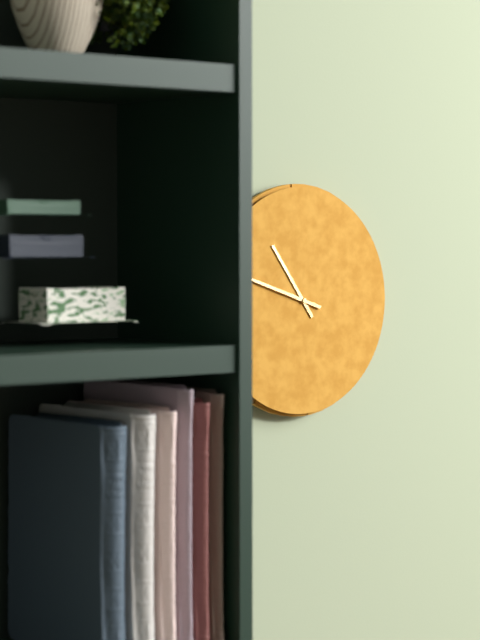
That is 10h48
